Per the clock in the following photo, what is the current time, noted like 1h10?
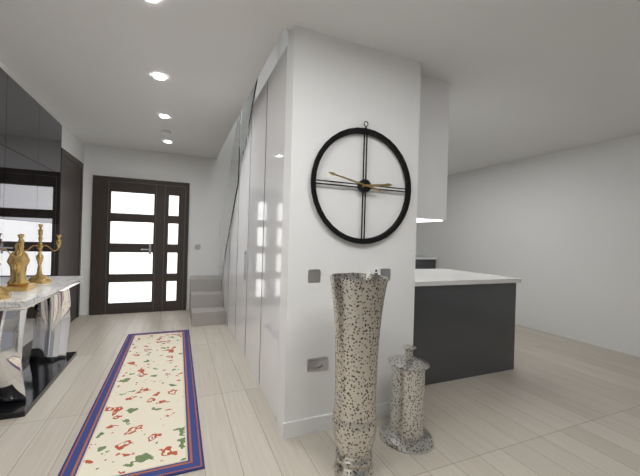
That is 2h47
